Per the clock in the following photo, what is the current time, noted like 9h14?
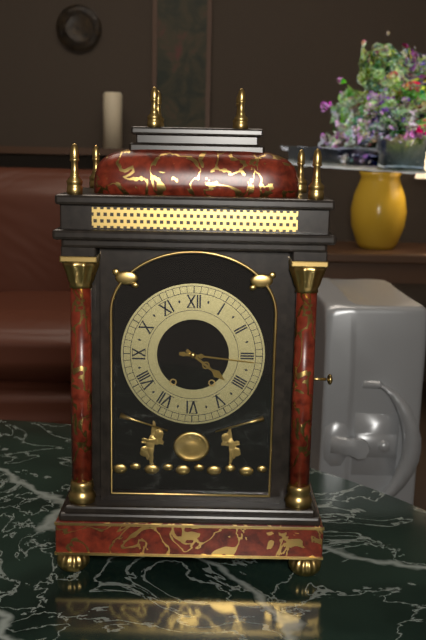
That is 4h16
